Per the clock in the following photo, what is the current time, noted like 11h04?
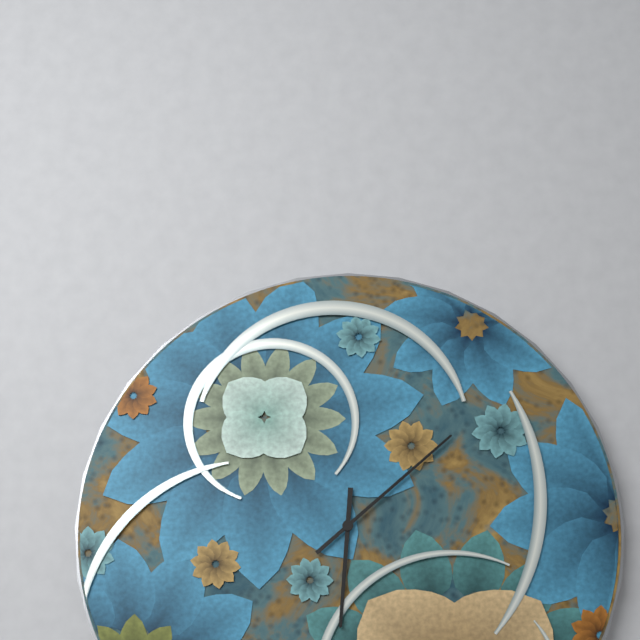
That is 6h08
